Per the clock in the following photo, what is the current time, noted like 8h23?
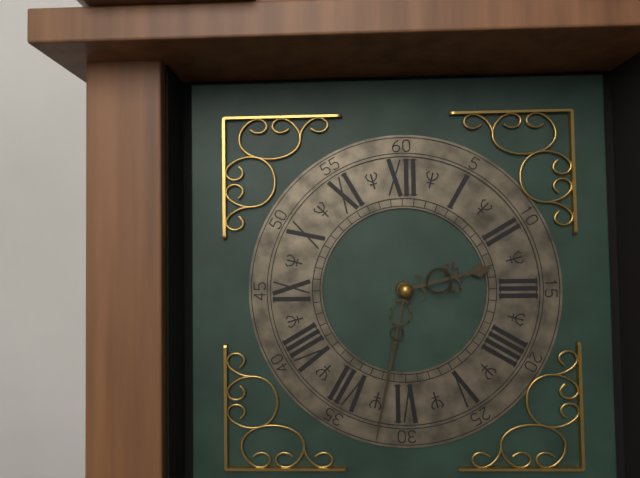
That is 2h32
